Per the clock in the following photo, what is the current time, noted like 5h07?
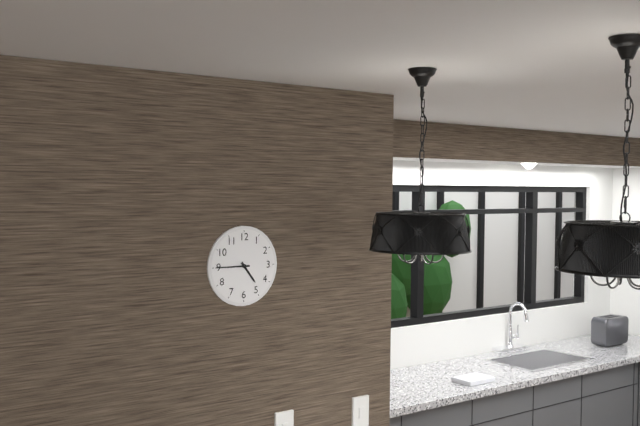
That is 4h45
